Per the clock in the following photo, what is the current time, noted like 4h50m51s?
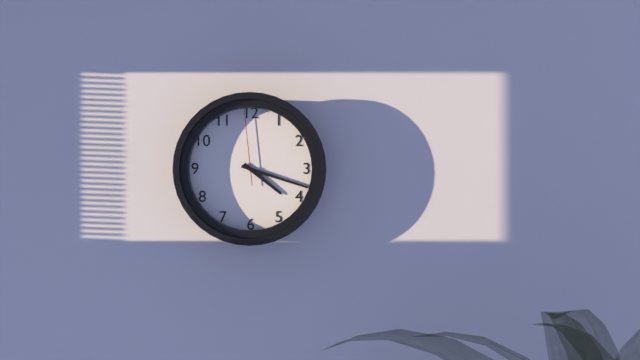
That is 4h18m59s
